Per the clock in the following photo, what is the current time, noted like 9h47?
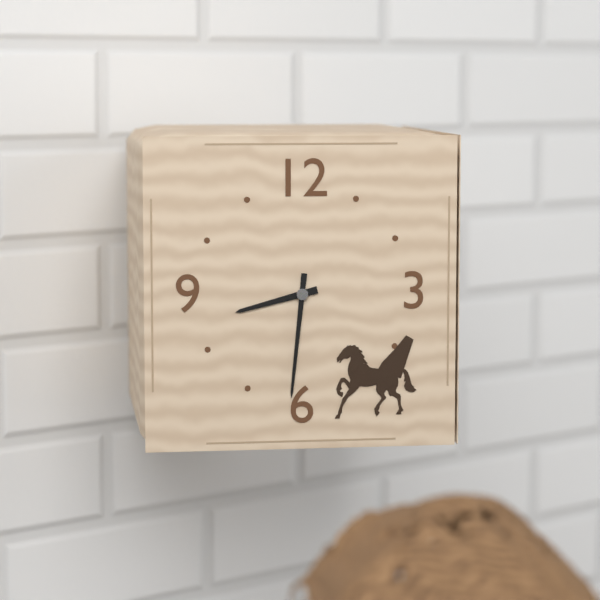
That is 8h31
